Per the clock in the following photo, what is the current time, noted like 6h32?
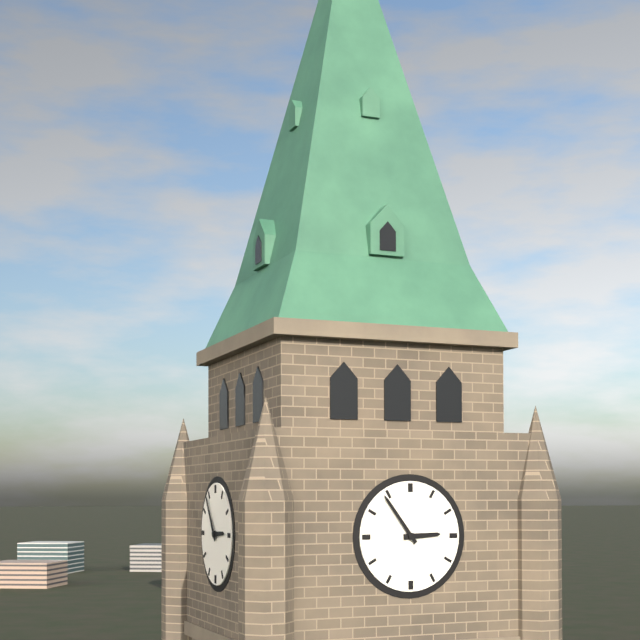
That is 2h54
